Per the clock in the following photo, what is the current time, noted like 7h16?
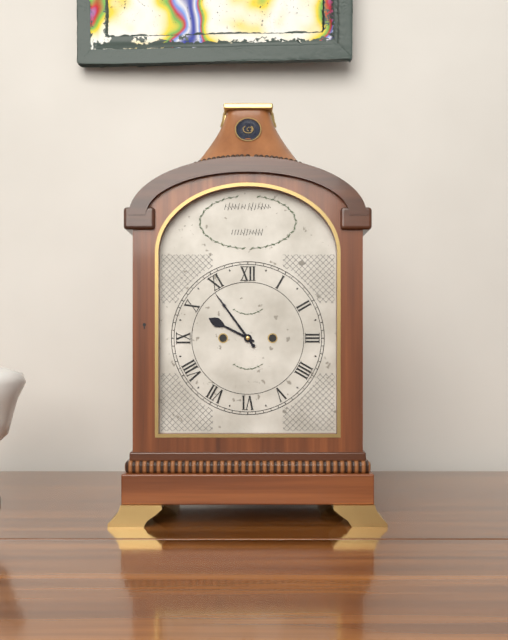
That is 9h54
